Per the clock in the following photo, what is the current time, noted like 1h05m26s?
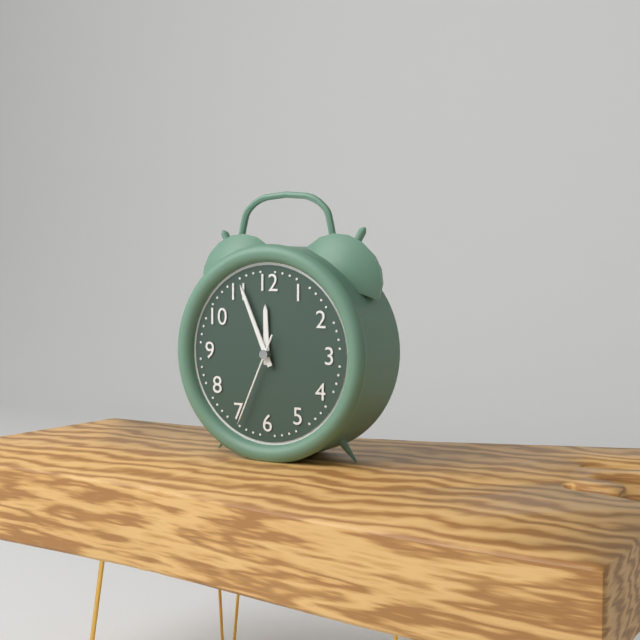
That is 11h56m34s
